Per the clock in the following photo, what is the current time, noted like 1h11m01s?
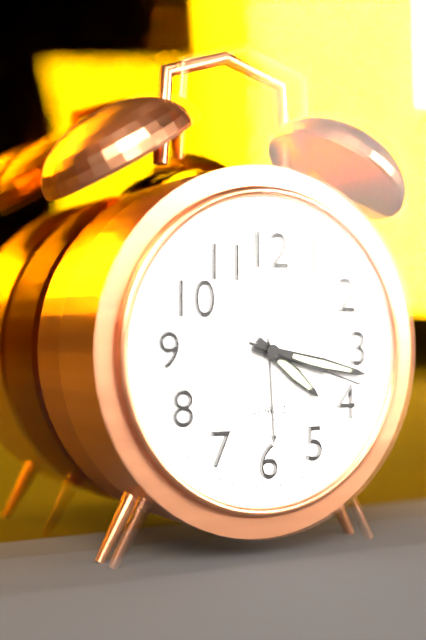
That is 4h17m18s
